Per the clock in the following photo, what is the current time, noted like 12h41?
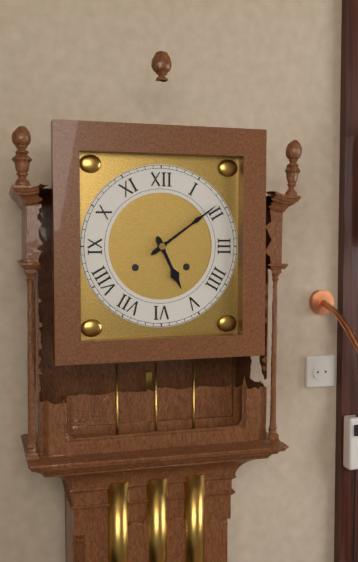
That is 5h09
